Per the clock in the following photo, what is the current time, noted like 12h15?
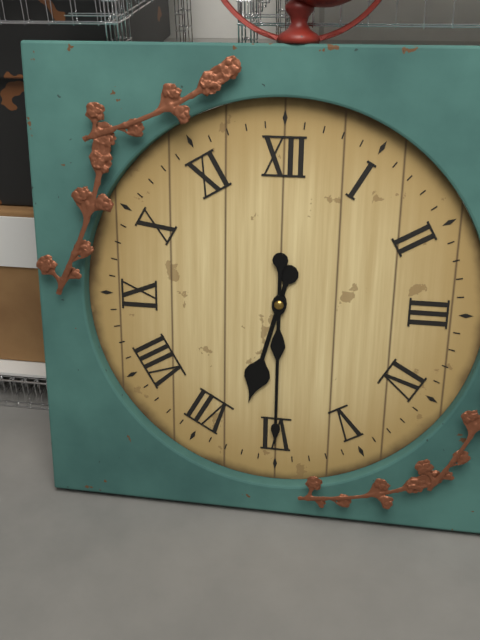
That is 6h30
